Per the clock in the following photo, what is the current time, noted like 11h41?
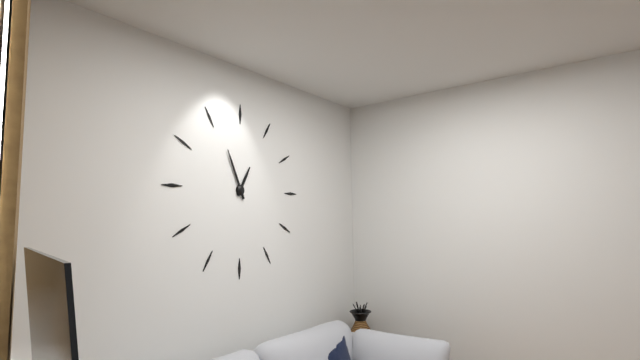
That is 12h56
